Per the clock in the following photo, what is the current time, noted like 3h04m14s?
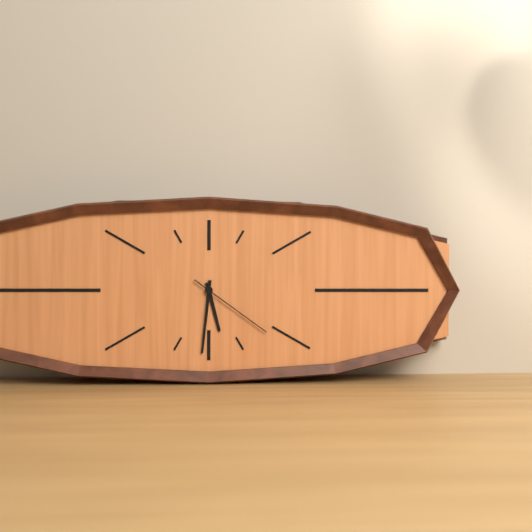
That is 5h31m21s
